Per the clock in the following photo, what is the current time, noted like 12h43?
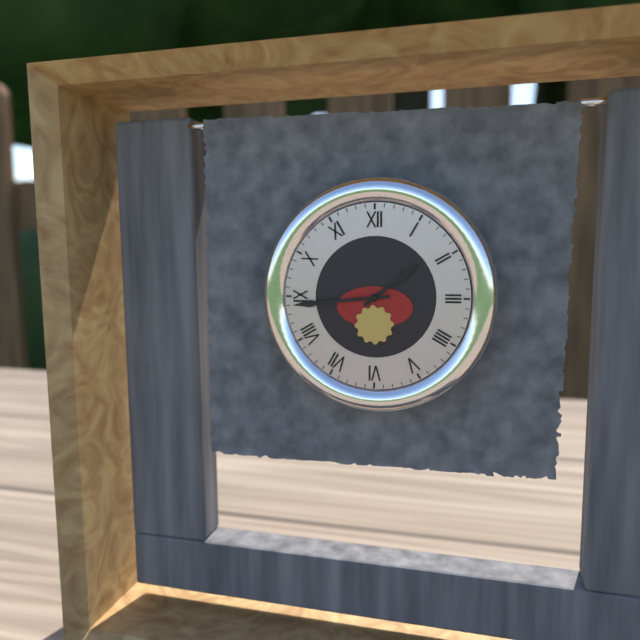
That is 1h44
